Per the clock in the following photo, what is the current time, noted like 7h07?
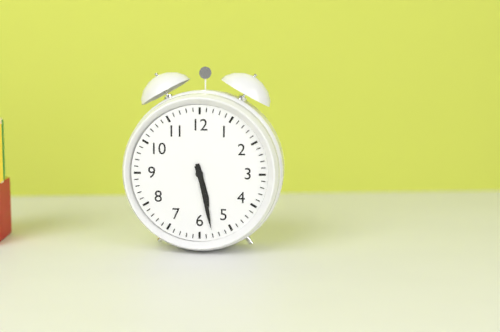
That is 5h28
